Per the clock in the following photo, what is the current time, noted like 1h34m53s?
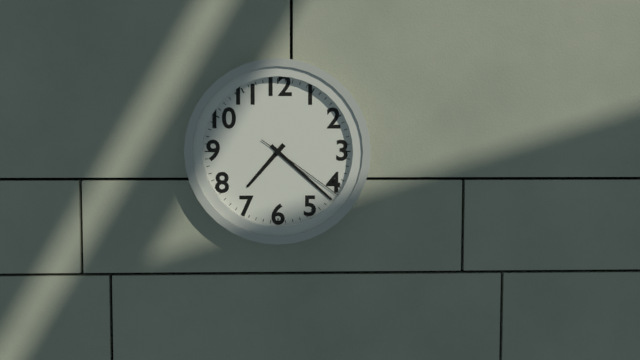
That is 7h22m21s
